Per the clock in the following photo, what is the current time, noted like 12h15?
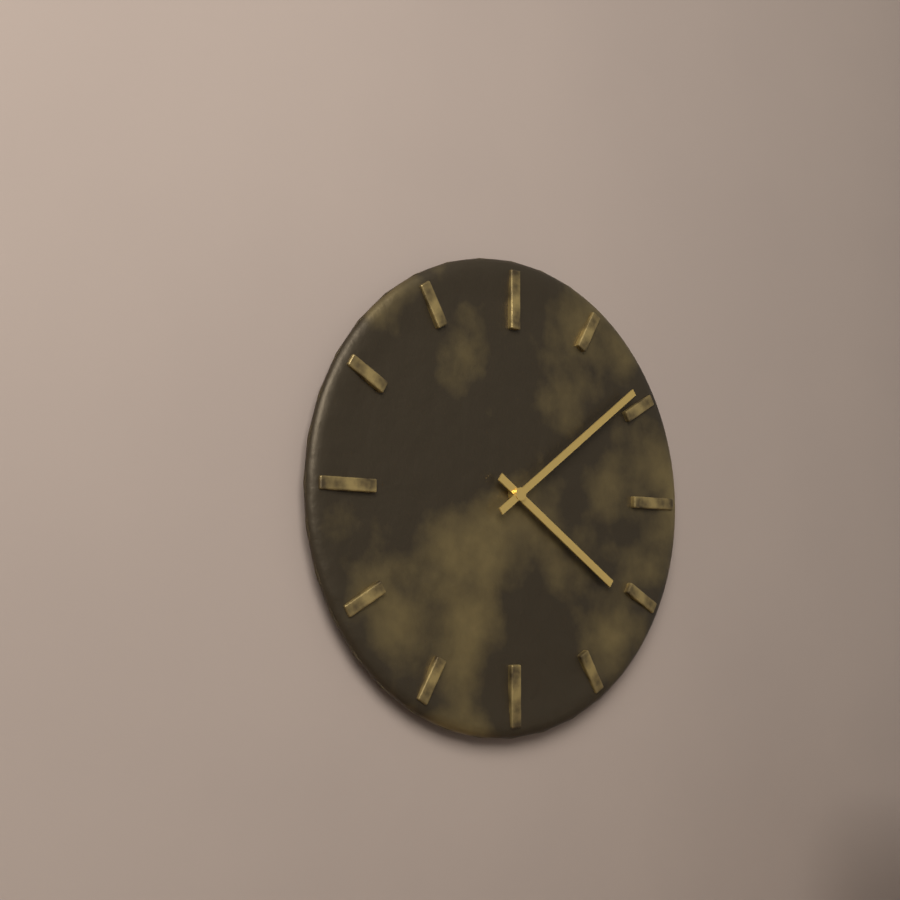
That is 4h09
